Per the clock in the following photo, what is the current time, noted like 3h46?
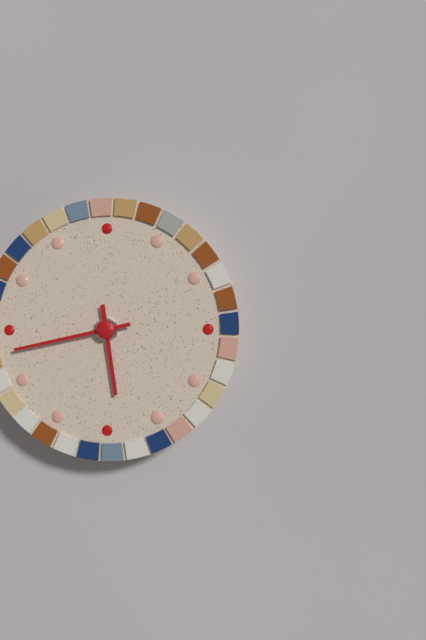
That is 5h43
